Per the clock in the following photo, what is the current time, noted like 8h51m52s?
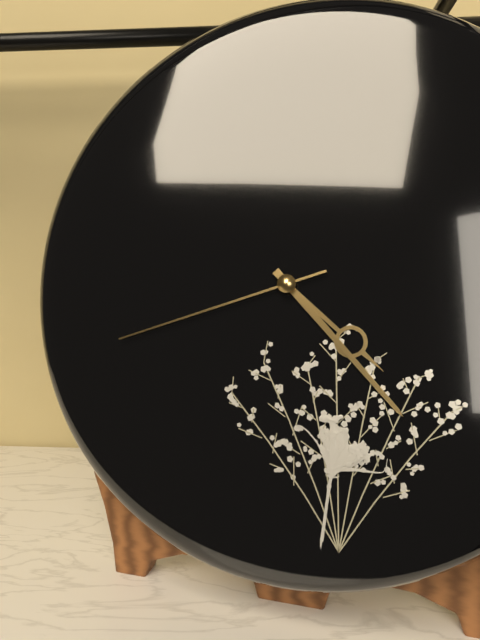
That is 4h23m42s
